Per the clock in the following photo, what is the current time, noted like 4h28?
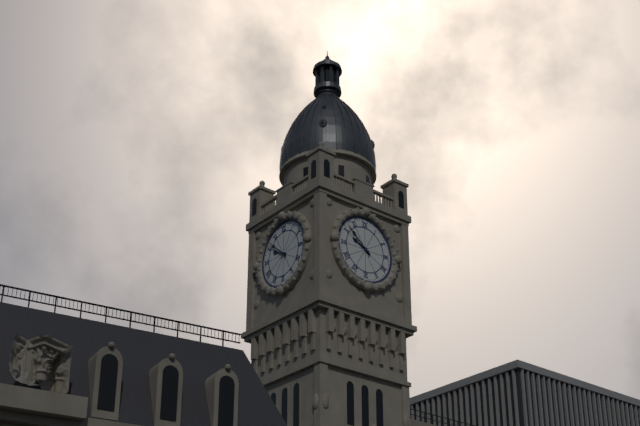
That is 9h52
